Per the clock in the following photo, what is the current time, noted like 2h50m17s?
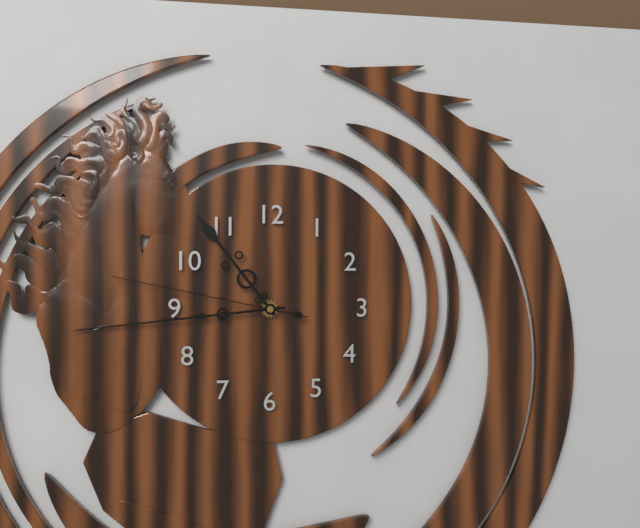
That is 10h44m47s
